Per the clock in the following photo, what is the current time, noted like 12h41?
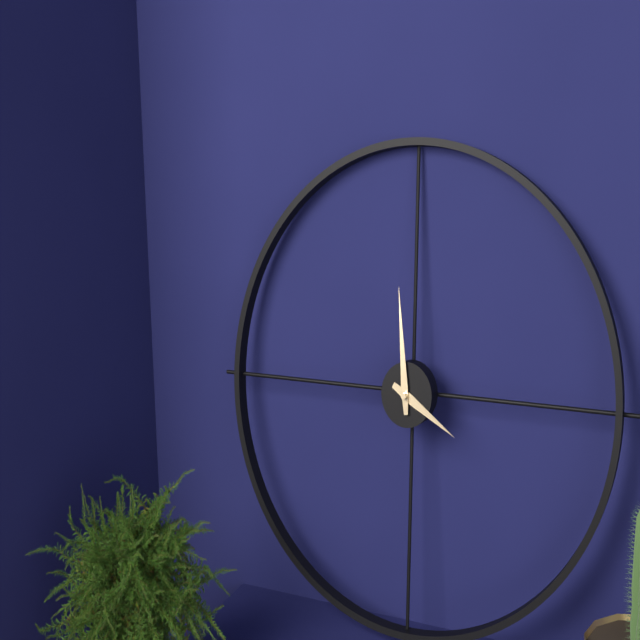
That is 3h59
